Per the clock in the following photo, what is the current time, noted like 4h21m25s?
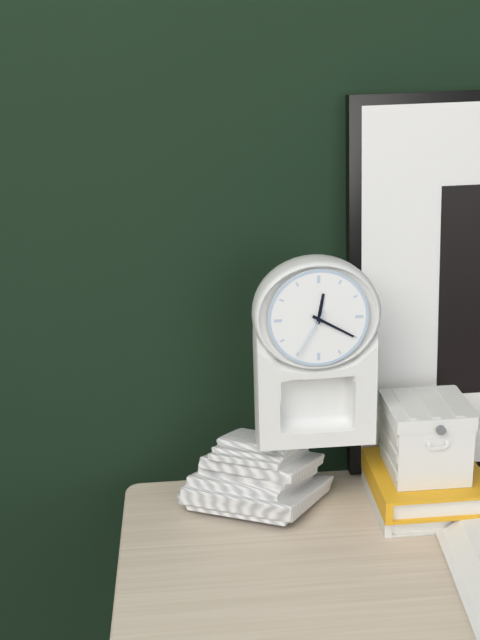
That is 12h20m35s
